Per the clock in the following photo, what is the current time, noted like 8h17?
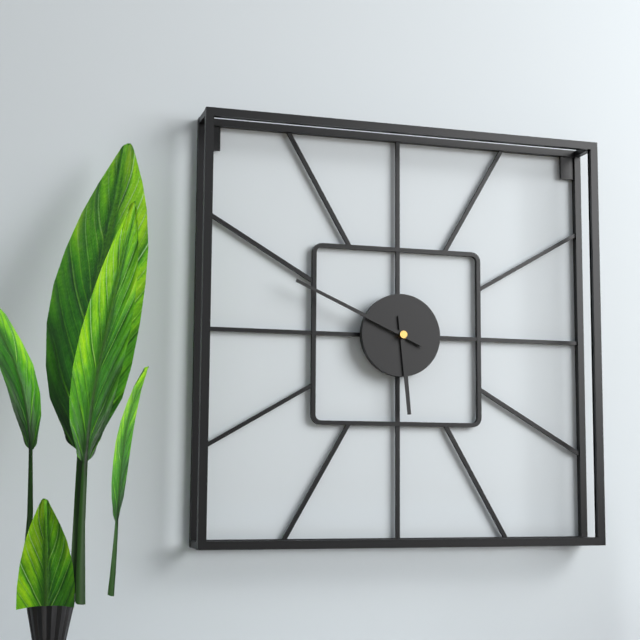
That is 5h49
